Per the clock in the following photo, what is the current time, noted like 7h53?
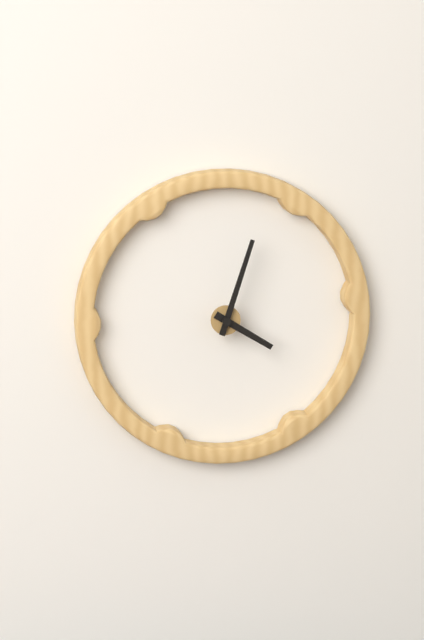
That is 4h03
